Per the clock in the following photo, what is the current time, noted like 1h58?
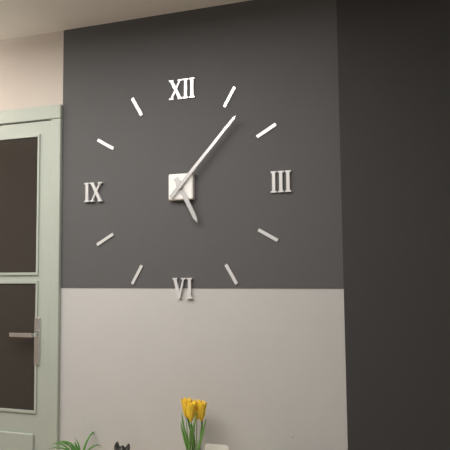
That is 5h07
